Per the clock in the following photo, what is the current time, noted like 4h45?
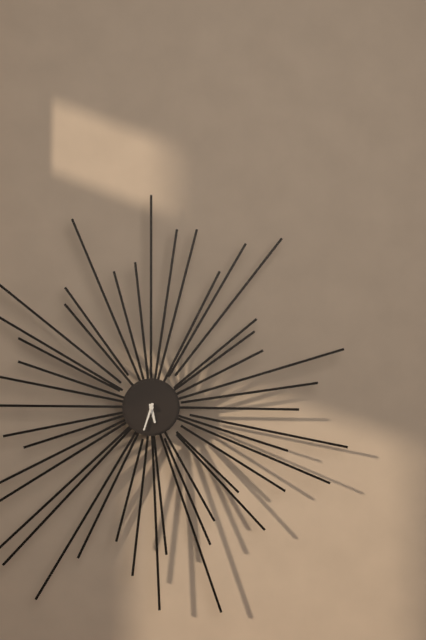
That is 5h33
